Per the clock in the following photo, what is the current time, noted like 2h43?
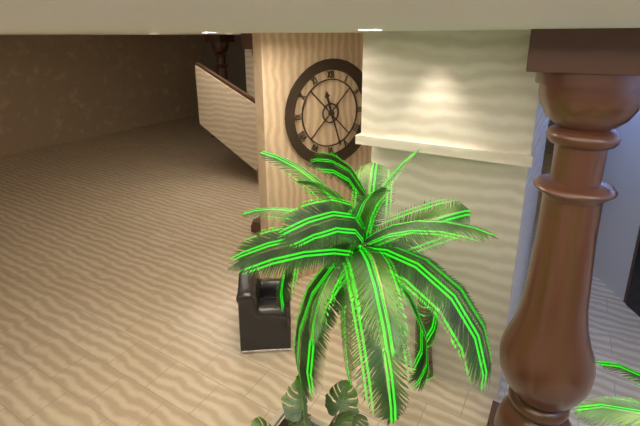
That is 11h27
